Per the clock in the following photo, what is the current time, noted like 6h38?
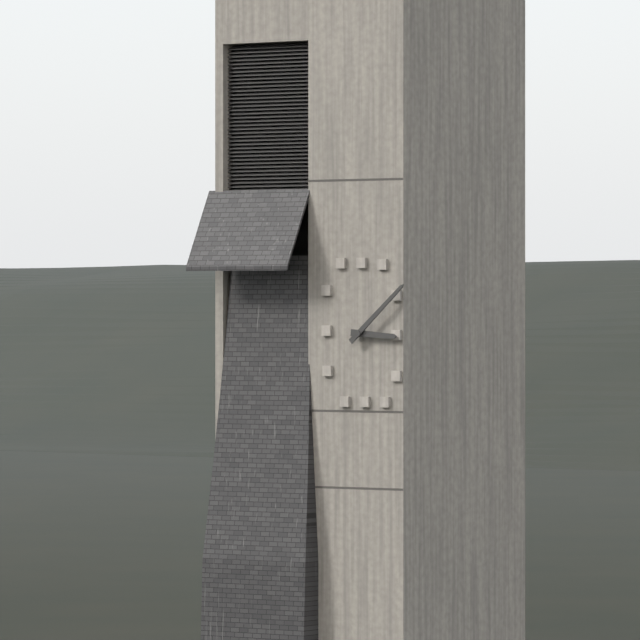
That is 3h08
